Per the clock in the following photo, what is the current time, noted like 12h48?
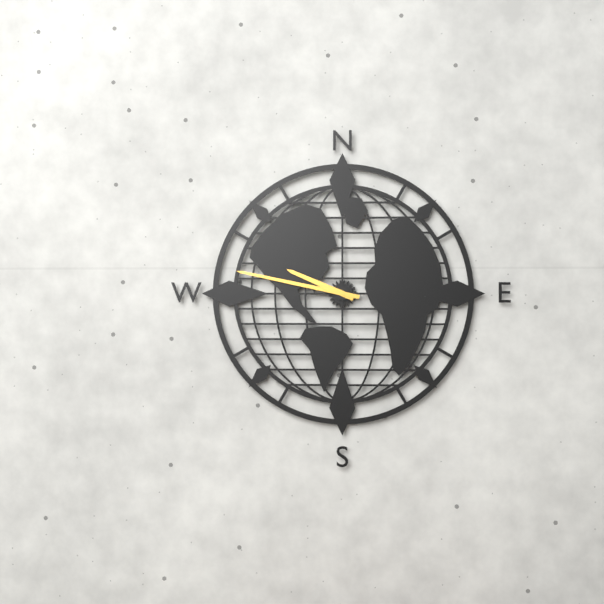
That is 9h47
